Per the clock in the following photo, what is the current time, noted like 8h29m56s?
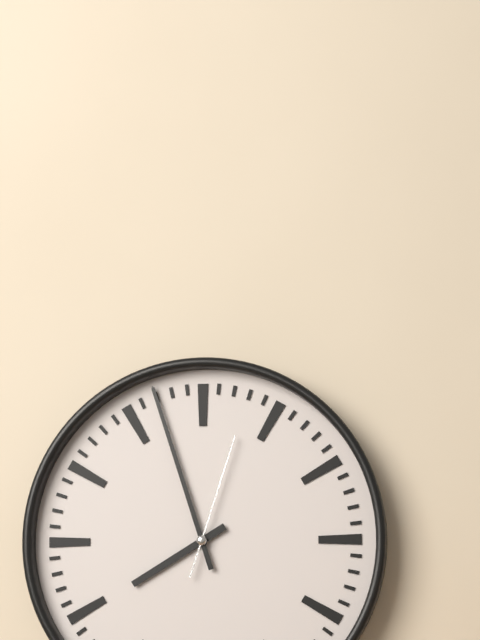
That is 7h57m03s
